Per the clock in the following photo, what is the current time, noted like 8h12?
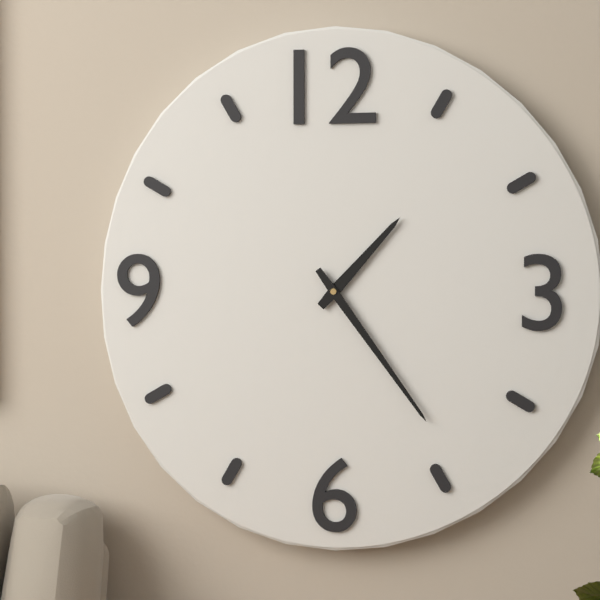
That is 1h24
